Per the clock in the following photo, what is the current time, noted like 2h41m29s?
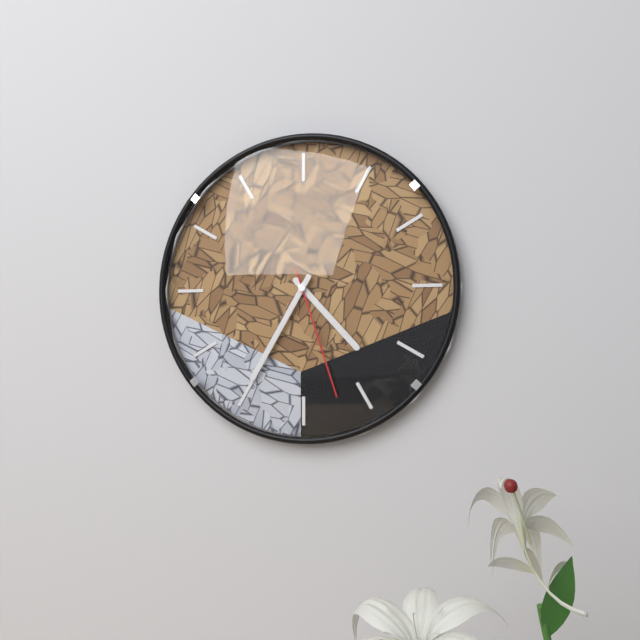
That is 4h35m27s
